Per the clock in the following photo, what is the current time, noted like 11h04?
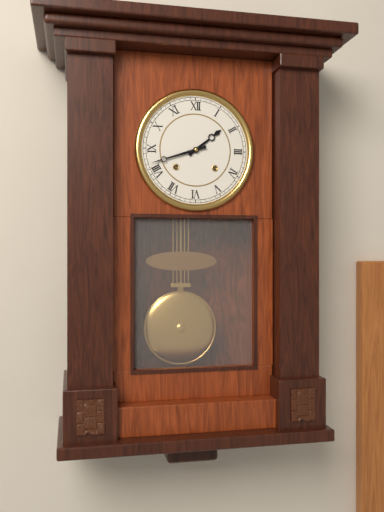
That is 1h42
